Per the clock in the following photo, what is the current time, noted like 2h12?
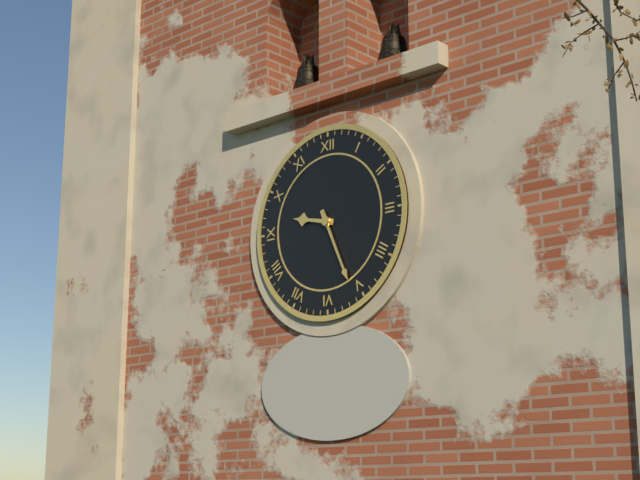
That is 9h26
